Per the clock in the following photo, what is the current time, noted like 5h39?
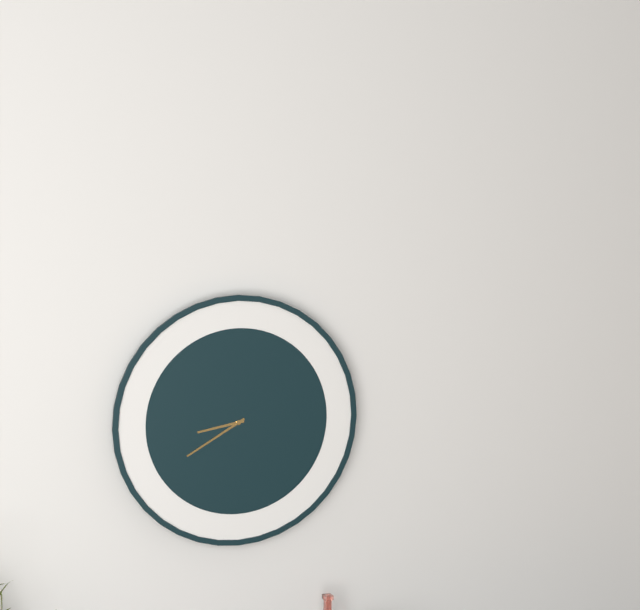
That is 8h40
